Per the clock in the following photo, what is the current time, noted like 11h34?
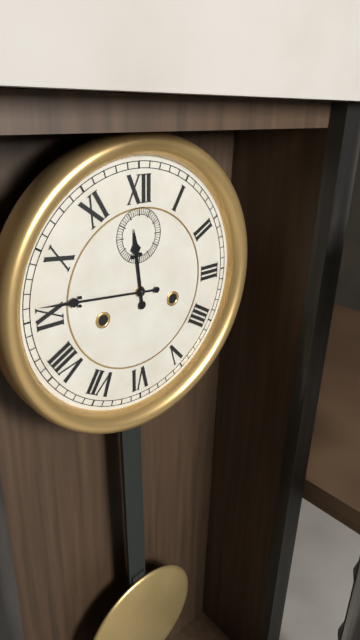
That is 11h46
